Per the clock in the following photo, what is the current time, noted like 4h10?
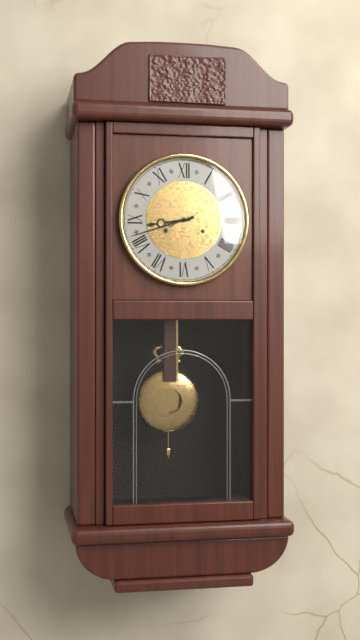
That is 8h42
